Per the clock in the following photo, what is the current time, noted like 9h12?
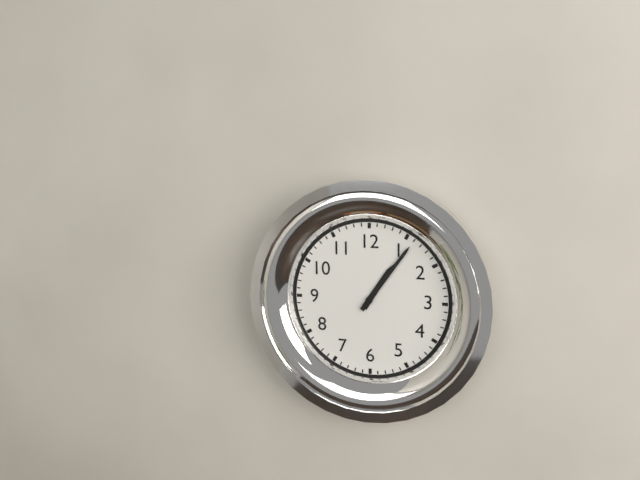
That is 1h06
